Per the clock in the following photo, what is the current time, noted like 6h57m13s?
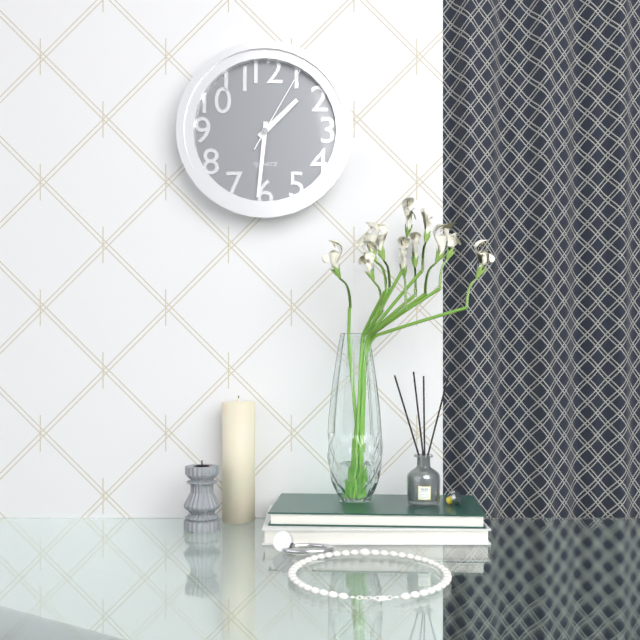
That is 1h31m05s
